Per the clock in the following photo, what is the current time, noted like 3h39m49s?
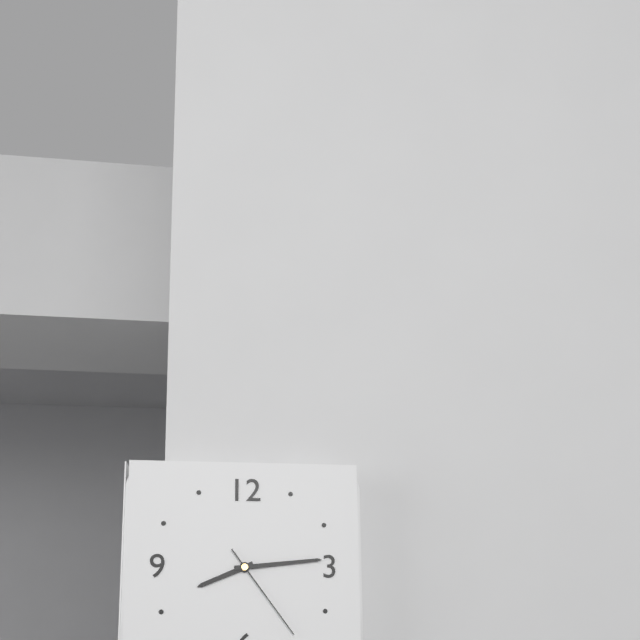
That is 8h14m24s
